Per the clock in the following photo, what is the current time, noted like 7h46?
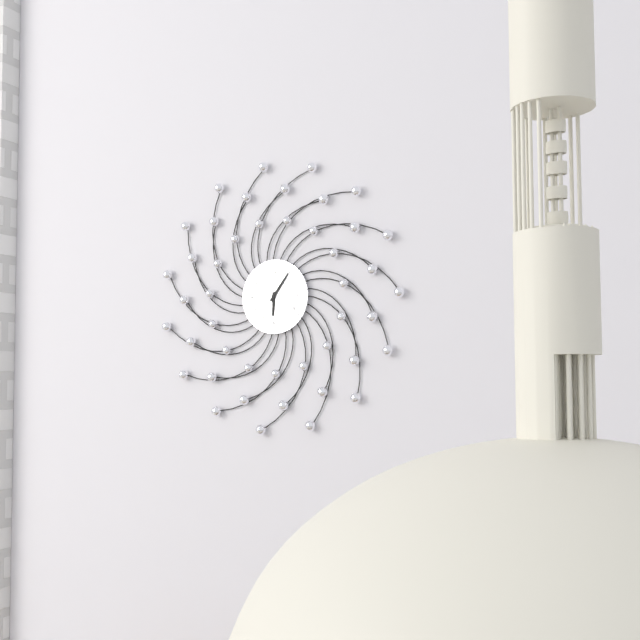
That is 6h06
